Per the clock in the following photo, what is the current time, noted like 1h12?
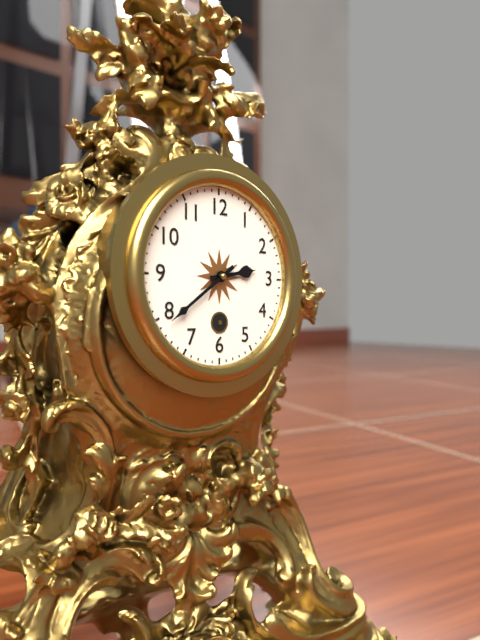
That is 2h39
